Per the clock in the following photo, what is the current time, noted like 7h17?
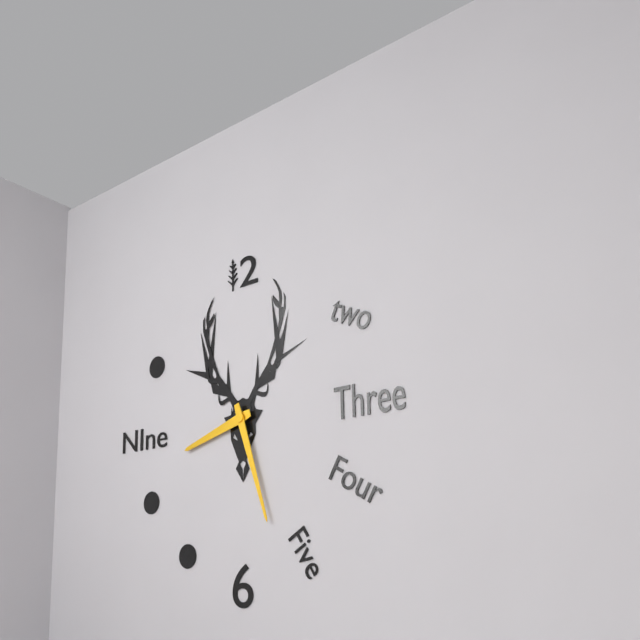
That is 8h27
